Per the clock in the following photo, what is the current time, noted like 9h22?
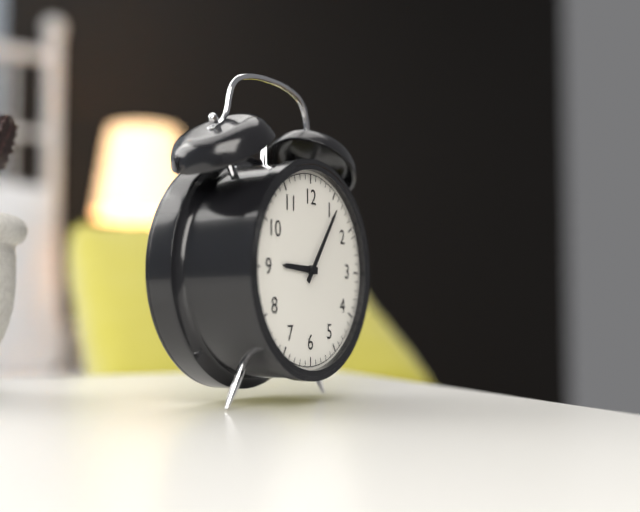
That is 9h06
